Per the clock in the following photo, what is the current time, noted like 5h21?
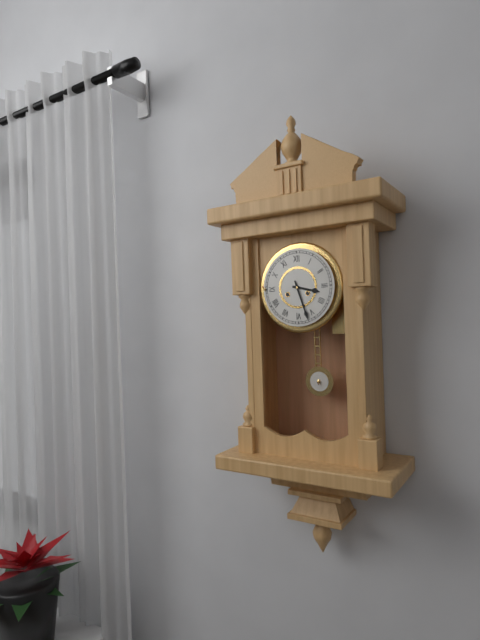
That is 3h27
